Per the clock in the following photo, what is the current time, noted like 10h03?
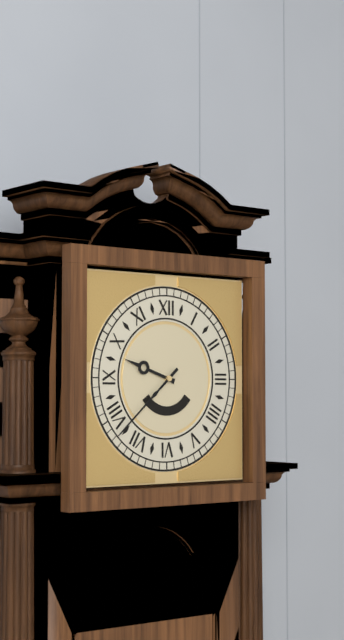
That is 9h38
